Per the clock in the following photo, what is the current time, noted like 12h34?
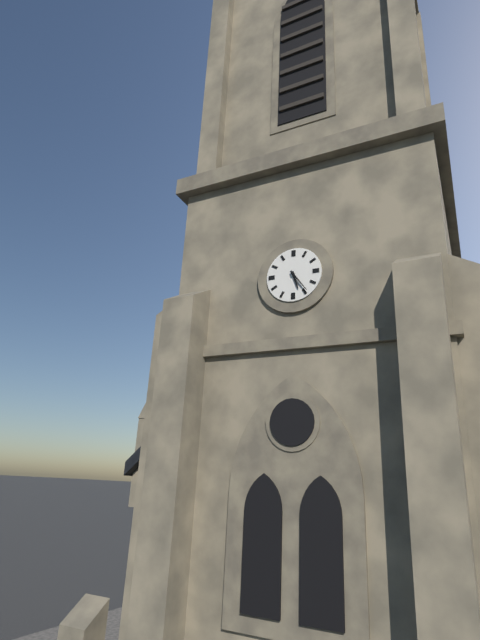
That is 5h24
